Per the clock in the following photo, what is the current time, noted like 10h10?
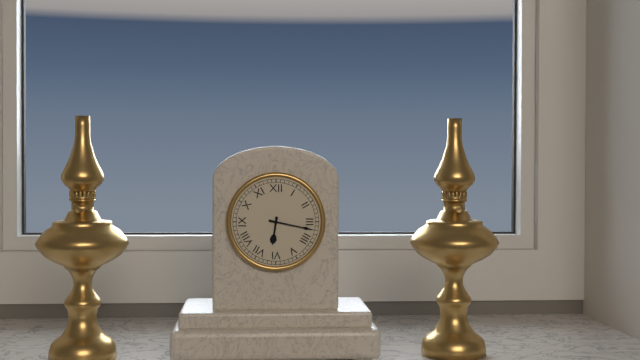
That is 6h17
